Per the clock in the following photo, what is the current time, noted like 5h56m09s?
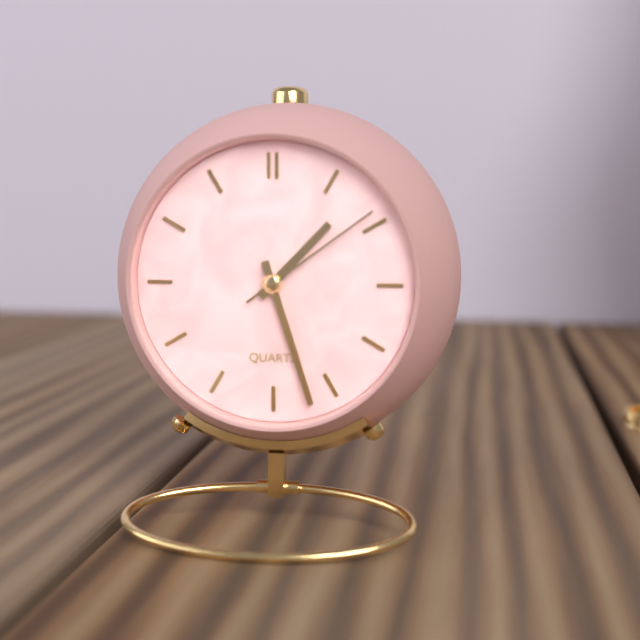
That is 1h27m09s
